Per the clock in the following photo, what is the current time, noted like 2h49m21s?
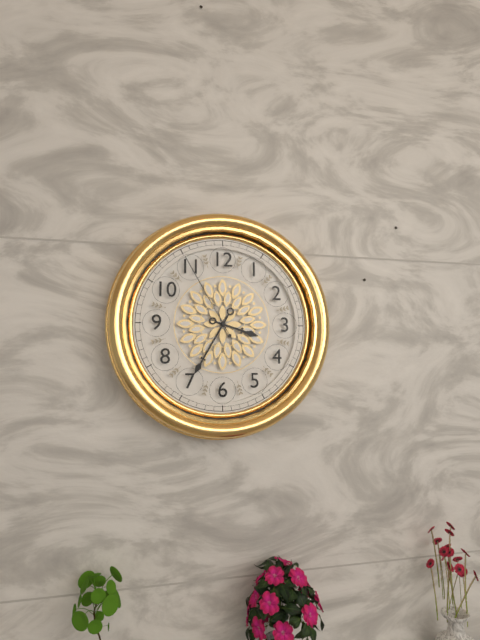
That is 3h35m55s
